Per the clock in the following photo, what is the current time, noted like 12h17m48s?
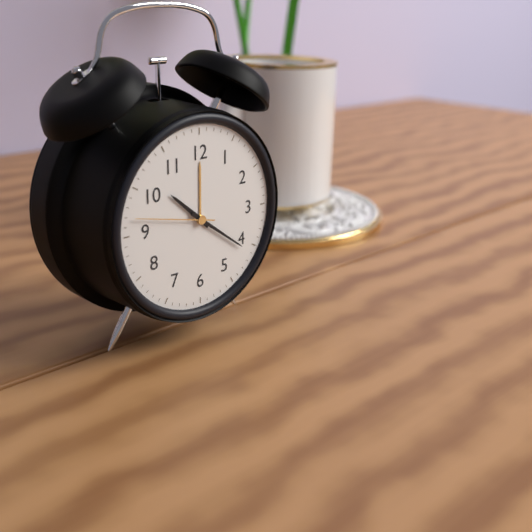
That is 10h21m47s
